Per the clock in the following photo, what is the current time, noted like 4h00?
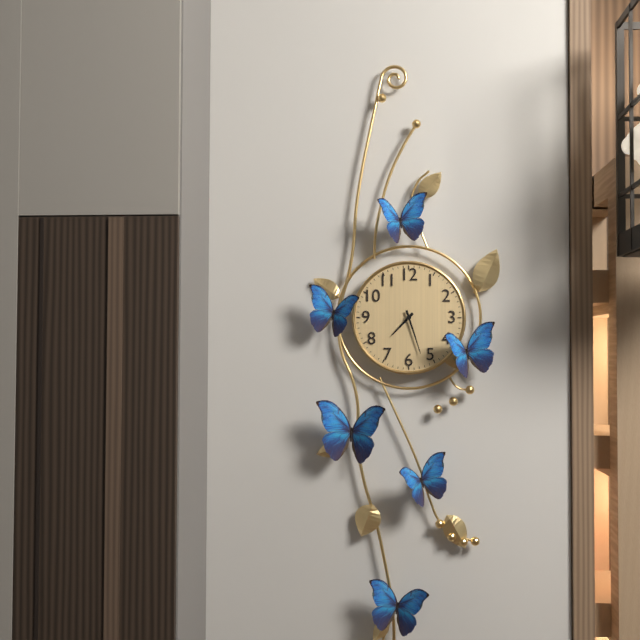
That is 7h27
